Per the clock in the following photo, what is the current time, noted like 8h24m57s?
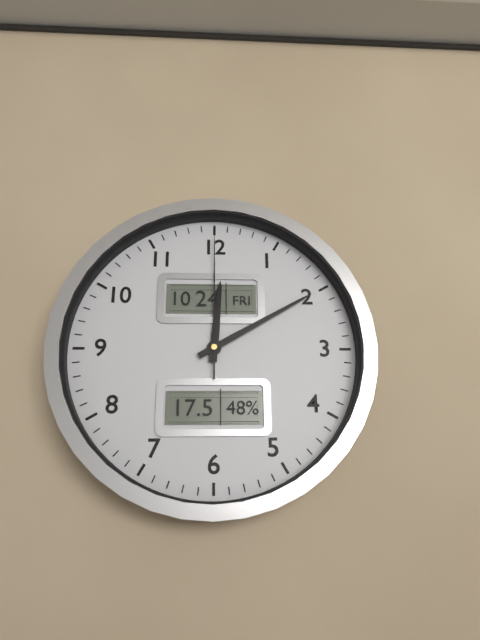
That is 12h10m00s
